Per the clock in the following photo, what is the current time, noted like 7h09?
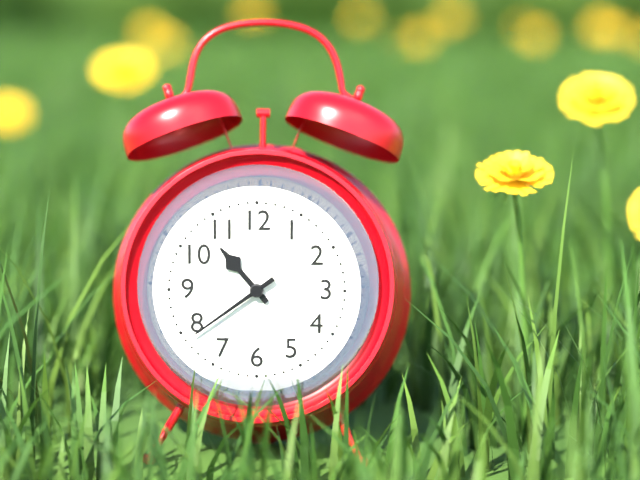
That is 10h39
